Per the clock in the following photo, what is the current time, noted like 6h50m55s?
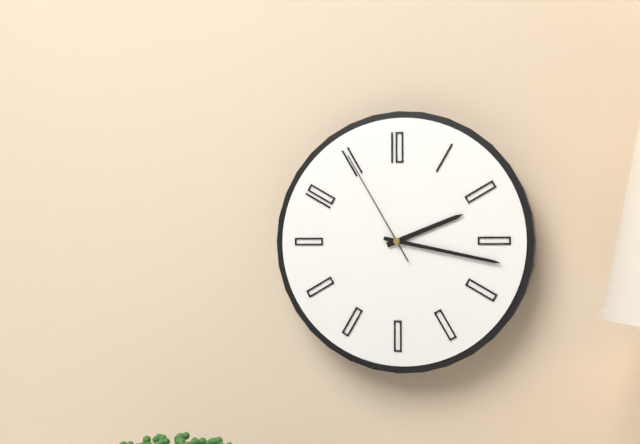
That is 2h17m55s
